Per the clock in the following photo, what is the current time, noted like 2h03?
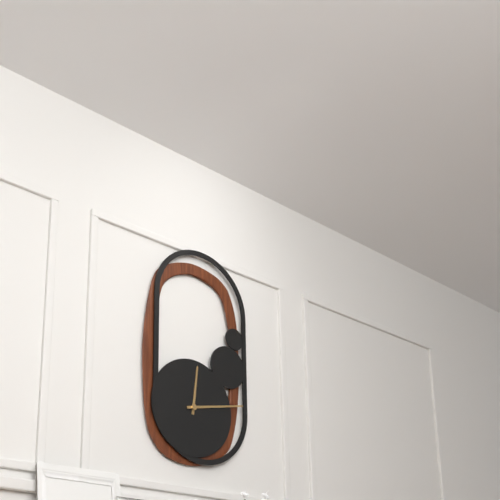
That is 12h13
